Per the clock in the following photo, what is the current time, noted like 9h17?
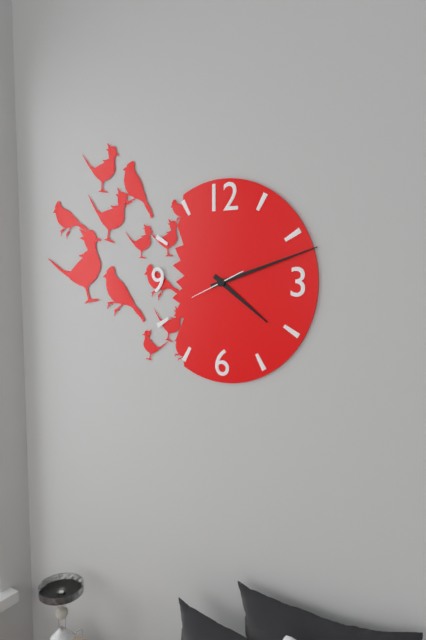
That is 4h12
